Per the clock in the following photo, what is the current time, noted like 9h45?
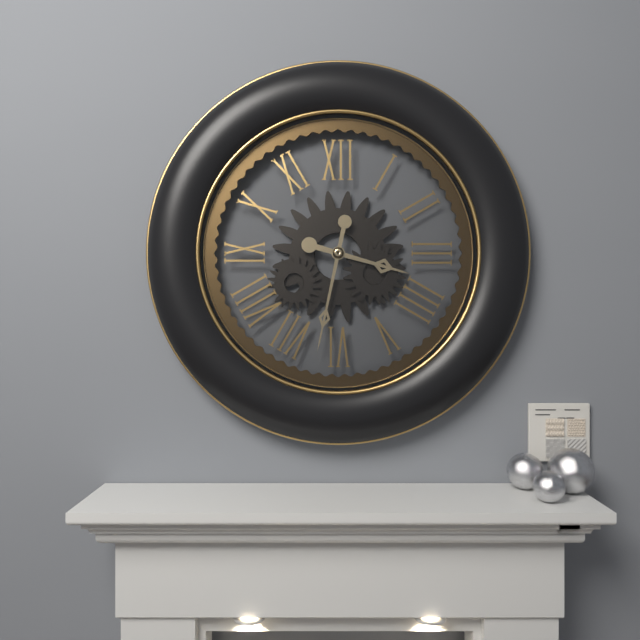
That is 3h32
